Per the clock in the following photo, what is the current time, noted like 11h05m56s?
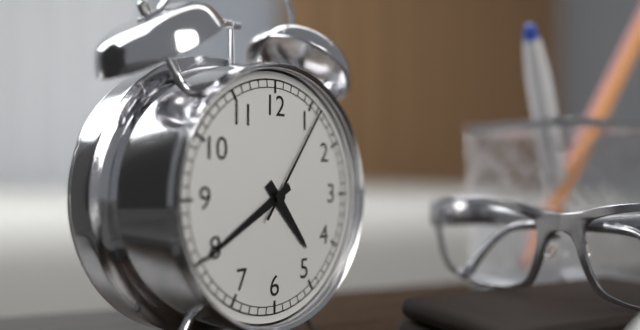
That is 4h40m06s
